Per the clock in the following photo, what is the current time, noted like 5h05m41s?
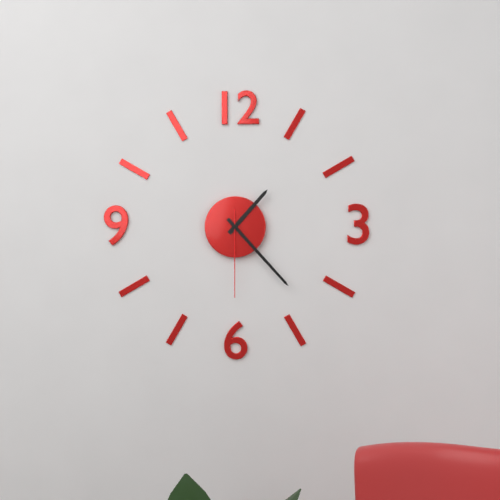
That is 1h23m30s
